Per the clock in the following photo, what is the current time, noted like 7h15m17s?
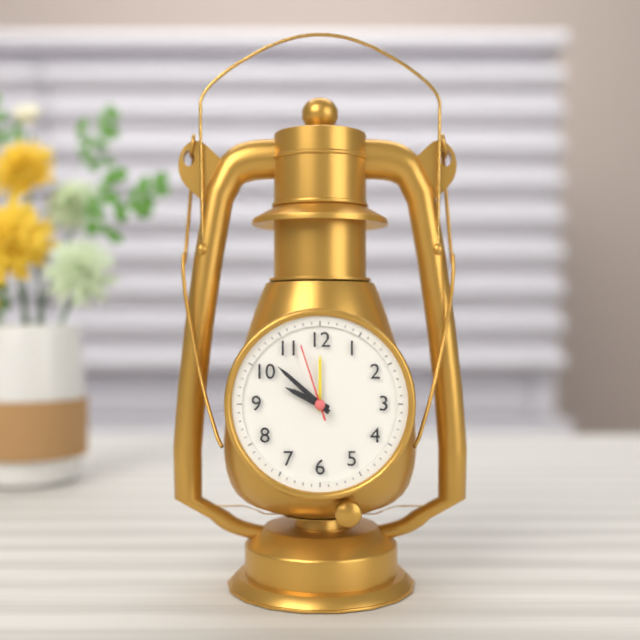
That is 9h52m57s
